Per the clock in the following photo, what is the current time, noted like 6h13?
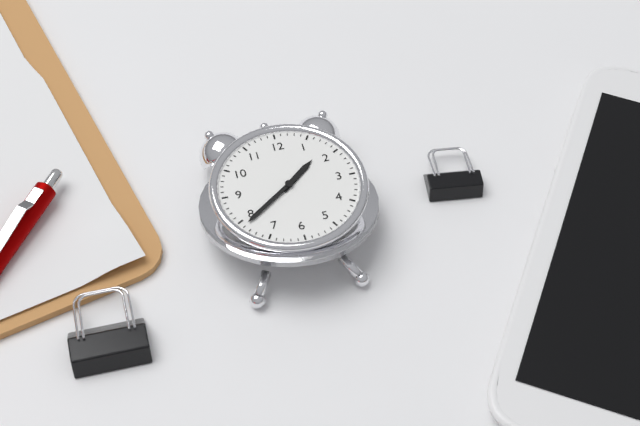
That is 1h39
